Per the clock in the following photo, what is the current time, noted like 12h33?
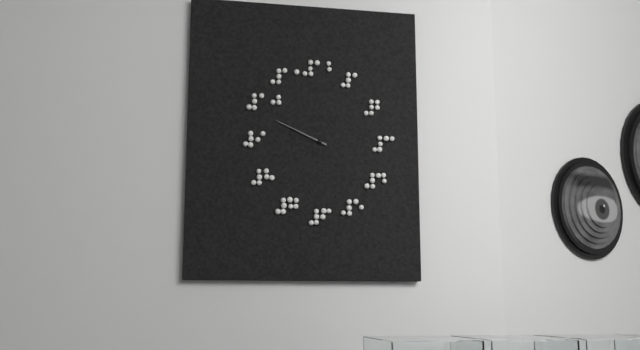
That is 9h49
